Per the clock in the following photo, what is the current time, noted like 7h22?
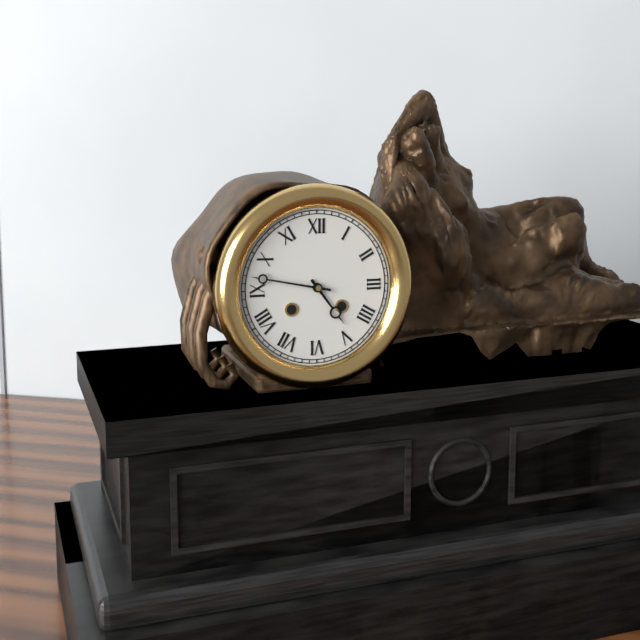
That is 4h47
